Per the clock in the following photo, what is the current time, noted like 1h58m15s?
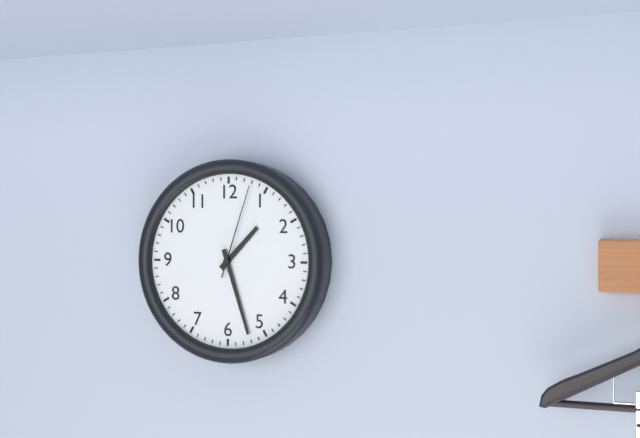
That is 1h27m03s
